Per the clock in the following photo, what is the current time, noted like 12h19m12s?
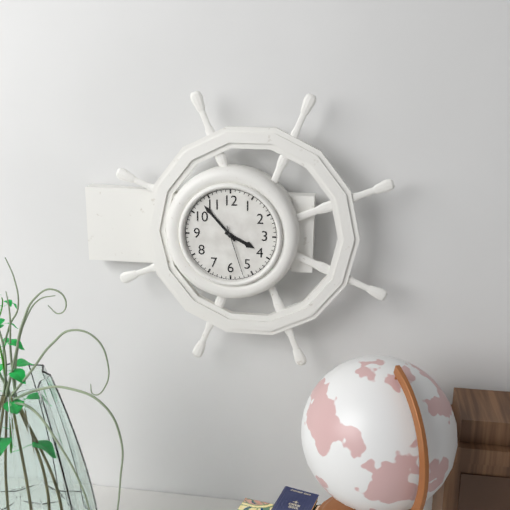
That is 3h53m27s
